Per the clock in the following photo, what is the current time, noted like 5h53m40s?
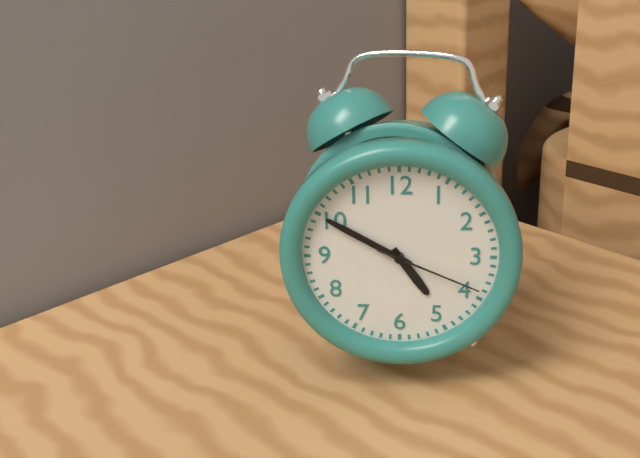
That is 4h50m19s
